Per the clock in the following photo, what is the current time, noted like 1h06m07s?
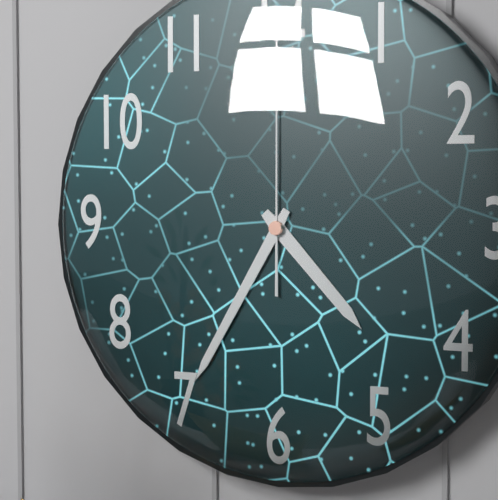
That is 4h35m00s
